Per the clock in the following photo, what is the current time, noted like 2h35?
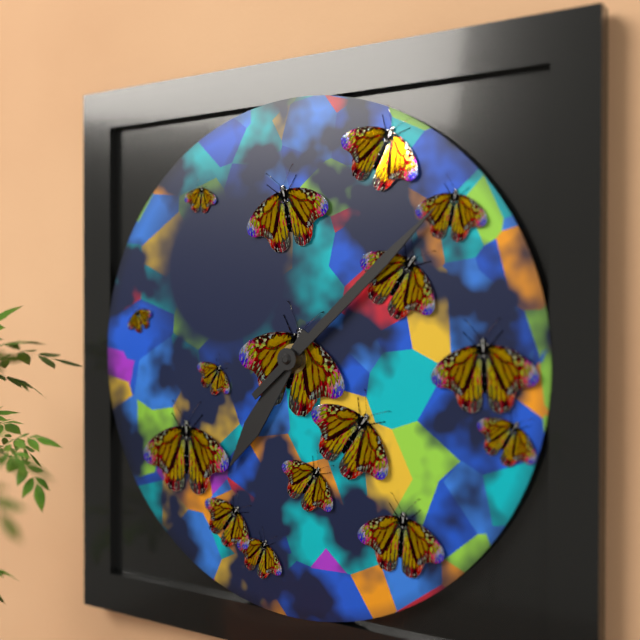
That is 7h08
